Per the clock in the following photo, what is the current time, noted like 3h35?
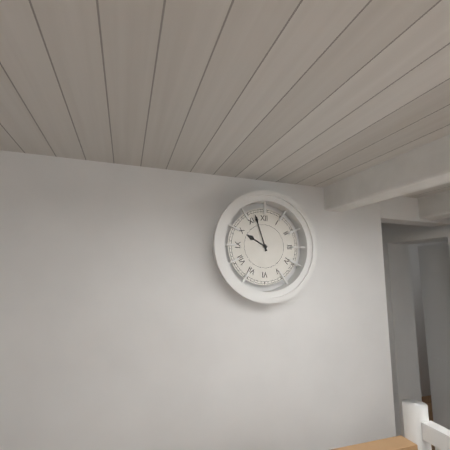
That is 9h57
